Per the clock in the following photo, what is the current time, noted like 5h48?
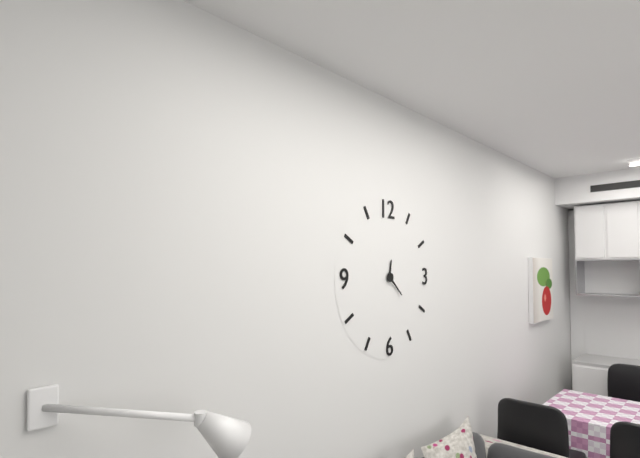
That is 12h22
